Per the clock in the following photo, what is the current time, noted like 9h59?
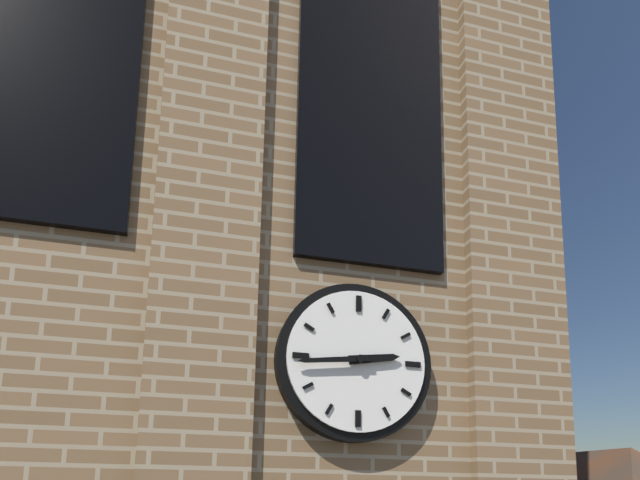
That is 2h44
